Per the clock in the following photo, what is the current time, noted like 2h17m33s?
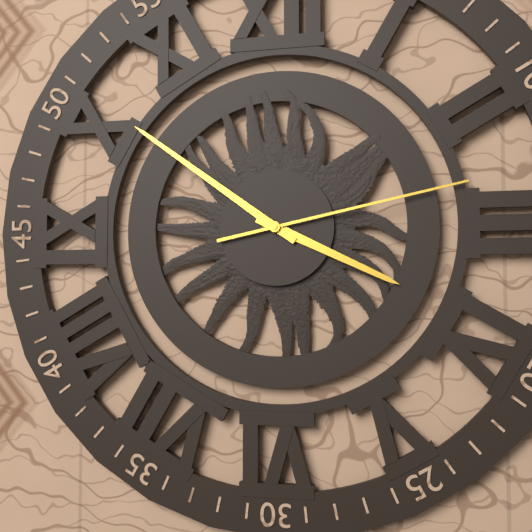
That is 3h51m13s
